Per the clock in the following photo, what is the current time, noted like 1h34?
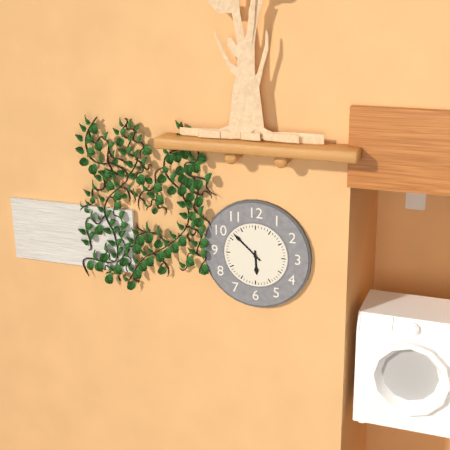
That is 5h52
